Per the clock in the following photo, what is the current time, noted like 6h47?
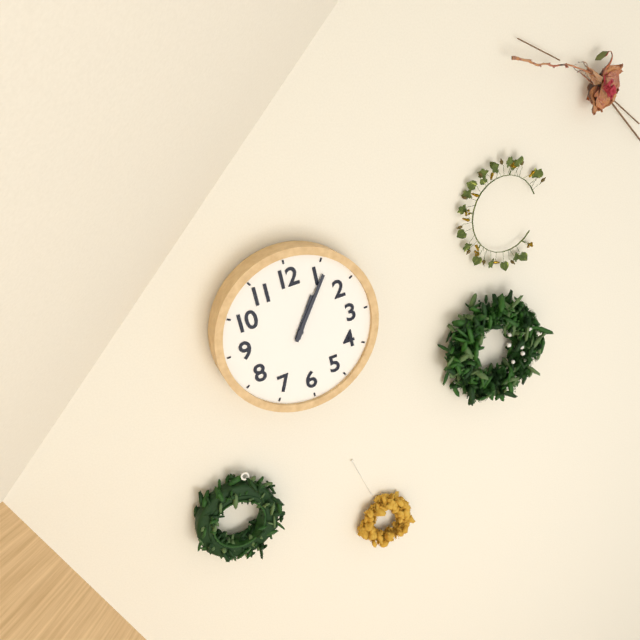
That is 1h06
